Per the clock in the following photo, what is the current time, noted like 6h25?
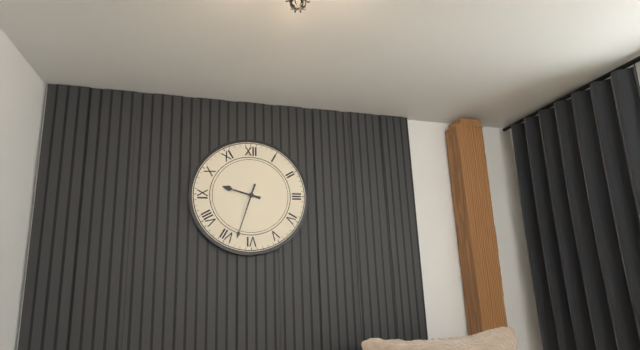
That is 9h33
